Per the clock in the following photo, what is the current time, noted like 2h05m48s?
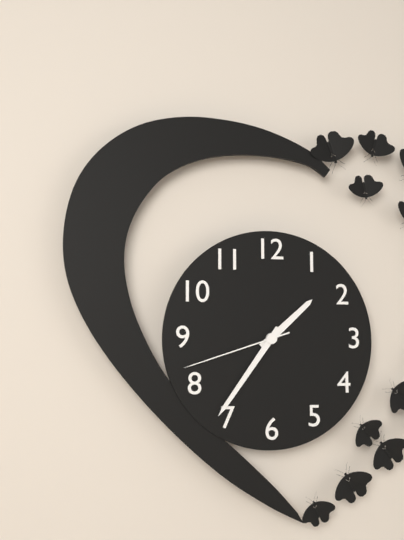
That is 1h36m42s
